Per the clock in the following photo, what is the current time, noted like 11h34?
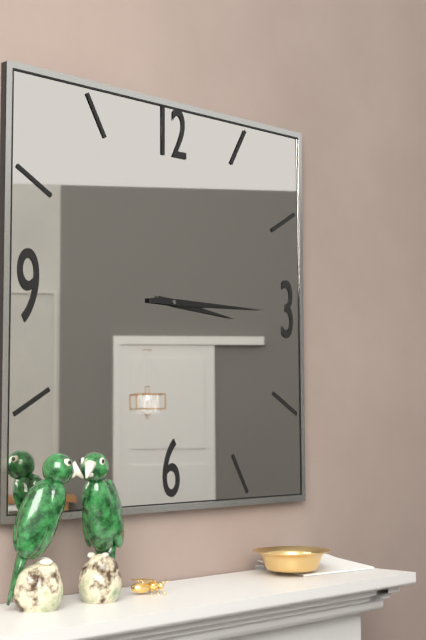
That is 3h15
